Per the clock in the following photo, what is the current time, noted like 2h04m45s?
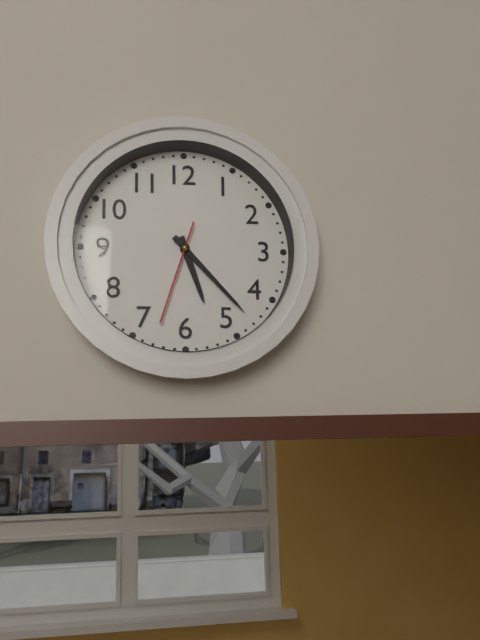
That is 5h23m33s
